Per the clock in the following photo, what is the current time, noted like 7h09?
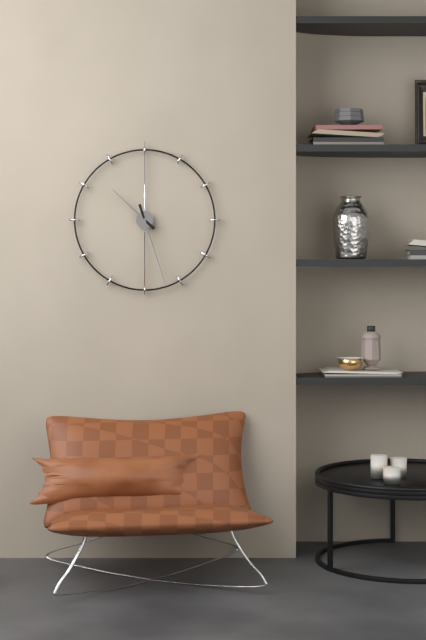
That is 10h27
